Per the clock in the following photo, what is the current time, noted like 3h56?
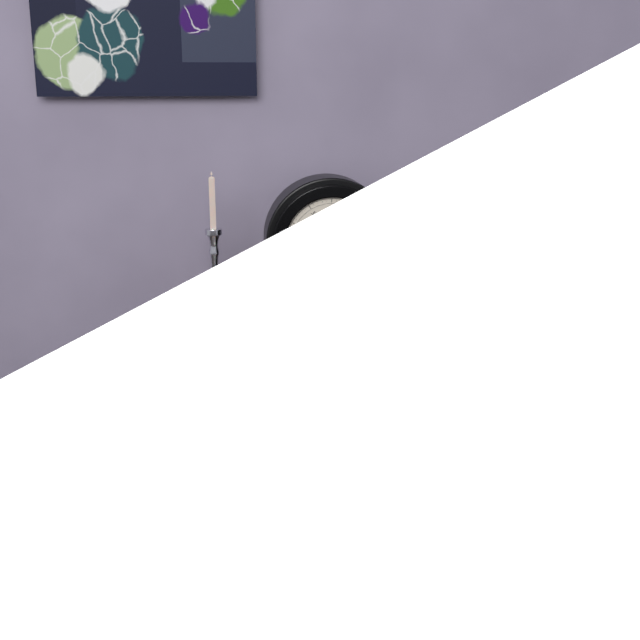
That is 8h34
